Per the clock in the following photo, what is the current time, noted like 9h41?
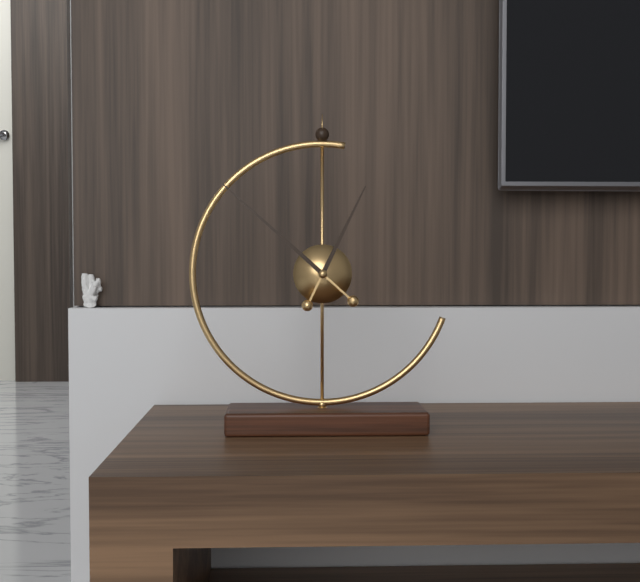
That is 12h52
